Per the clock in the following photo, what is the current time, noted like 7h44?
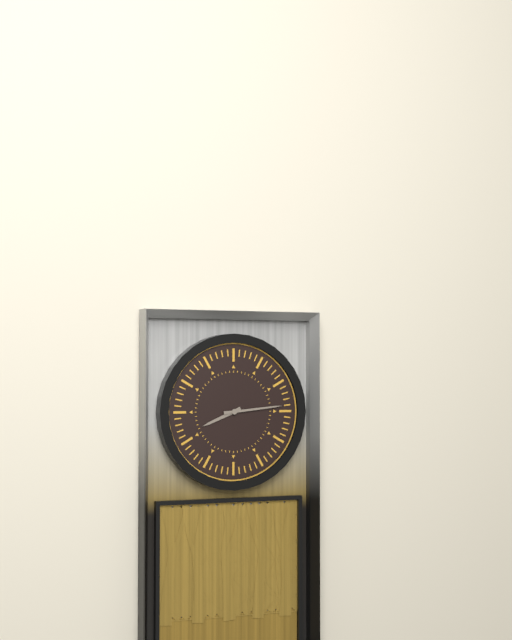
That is 8h14
